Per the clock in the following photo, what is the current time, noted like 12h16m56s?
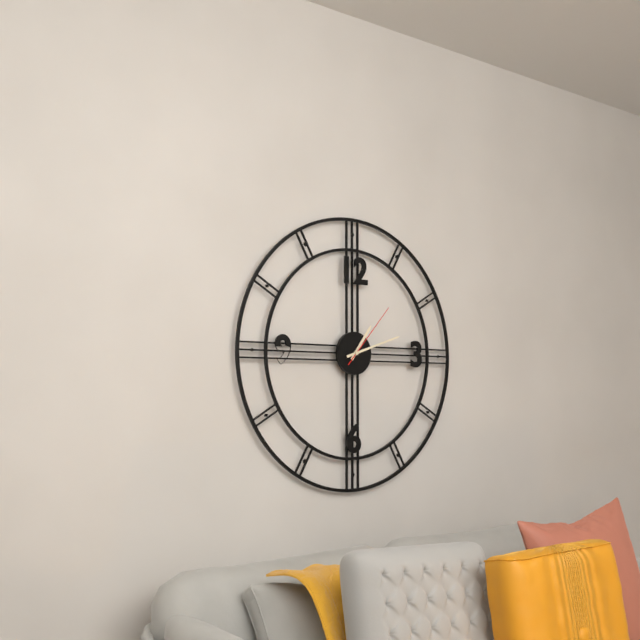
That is 1h12m07s
